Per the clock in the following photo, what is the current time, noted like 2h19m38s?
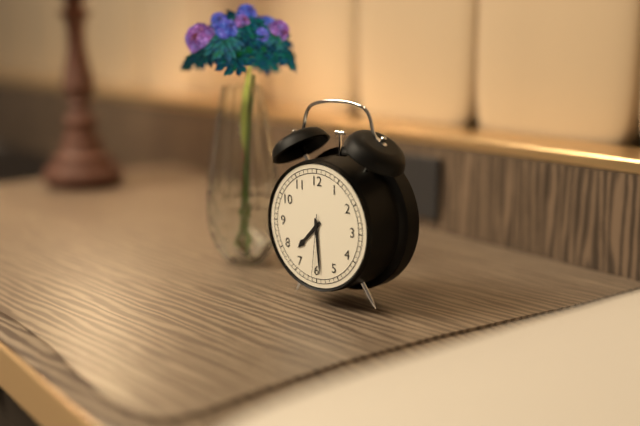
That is 7h29m31s
